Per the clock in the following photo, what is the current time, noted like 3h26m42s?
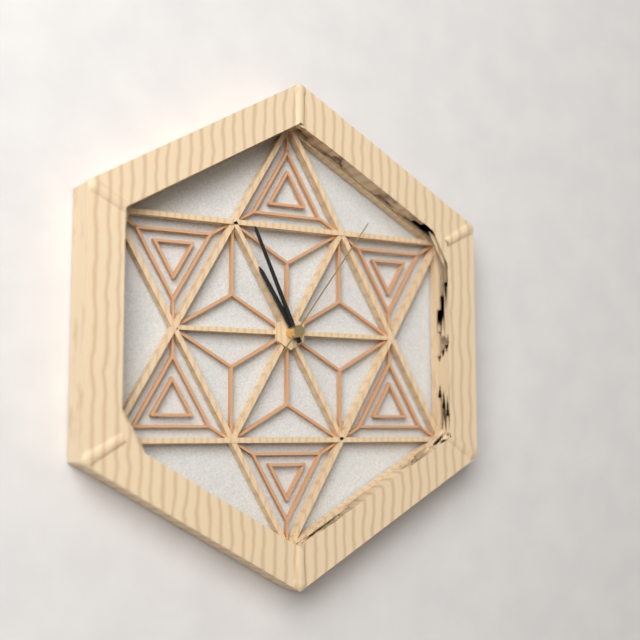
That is 10h56m06s
